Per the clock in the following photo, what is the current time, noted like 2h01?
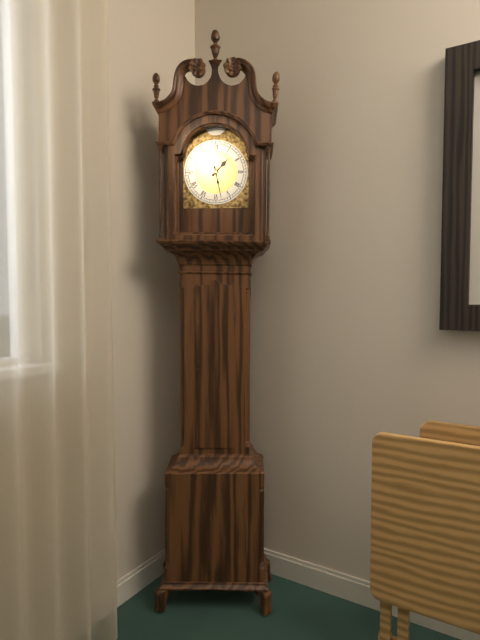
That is 1h28
